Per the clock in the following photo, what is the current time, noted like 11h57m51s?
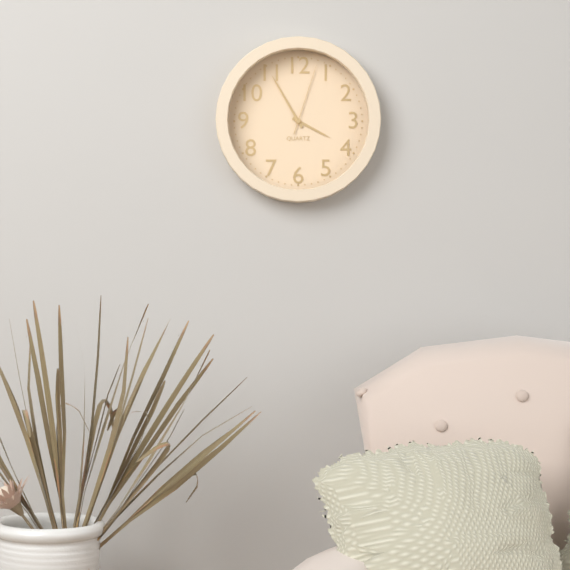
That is 3h55m03s
